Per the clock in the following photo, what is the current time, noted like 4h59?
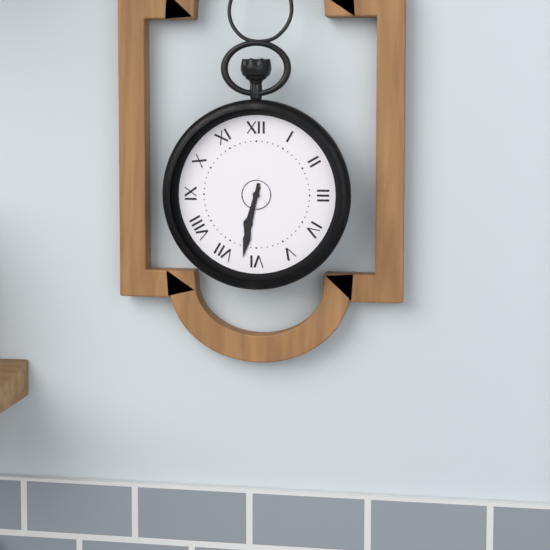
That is 6h32
